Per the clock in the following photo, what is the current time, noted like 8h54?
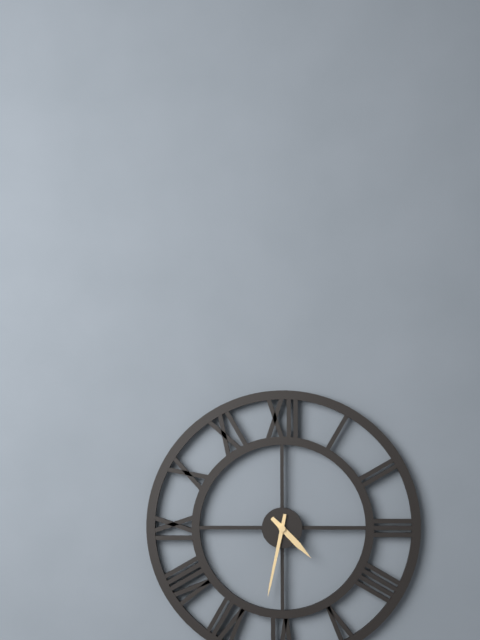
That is 4h32
